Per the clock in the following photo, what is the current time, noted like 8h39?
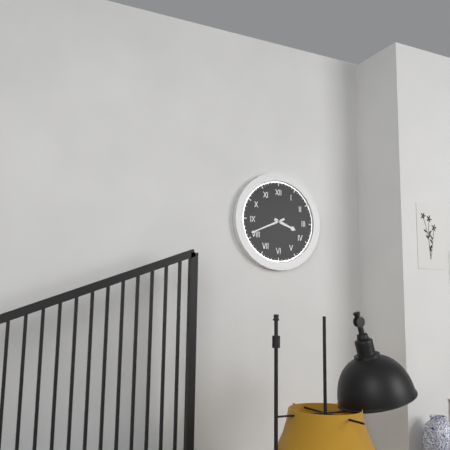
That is 3h41
